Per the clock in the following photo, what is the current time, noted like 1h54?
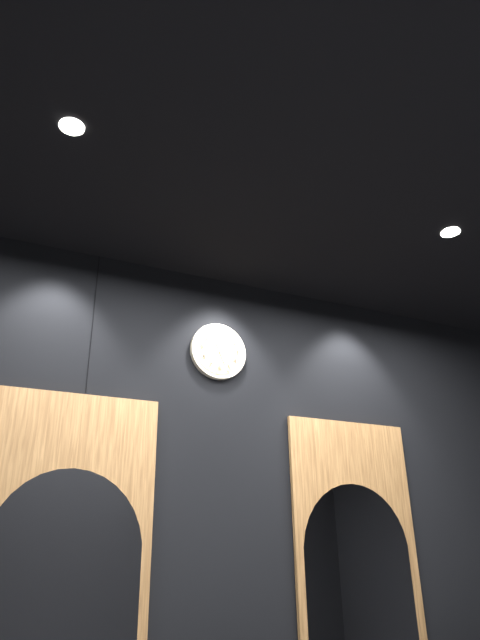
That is 1h26
